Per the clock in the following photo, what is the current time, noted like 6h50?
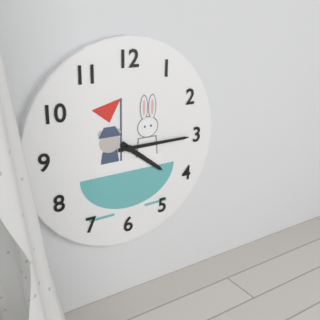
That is 4h15
